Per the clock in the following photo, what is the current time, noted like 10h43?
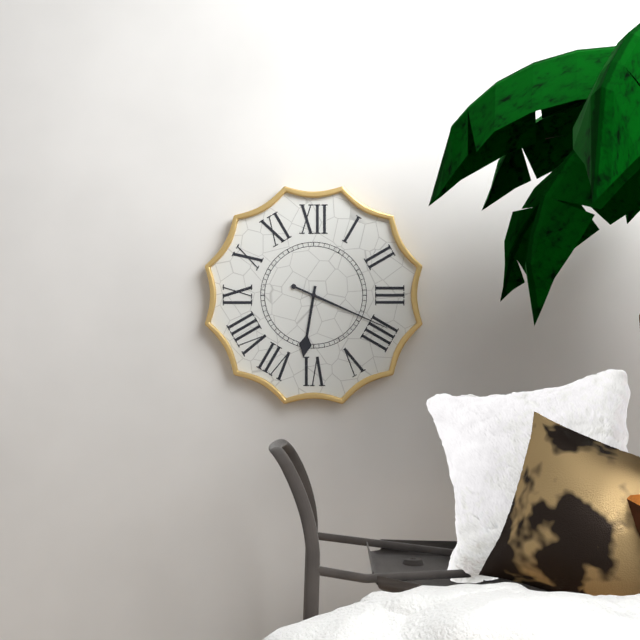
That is 6h19
